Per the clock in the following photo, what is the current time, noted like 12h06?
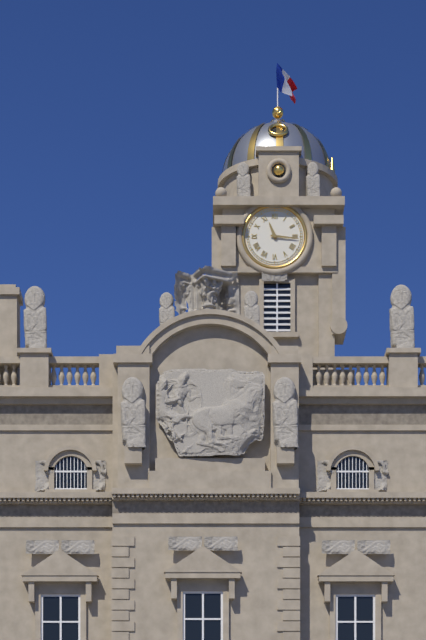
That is 11h16
